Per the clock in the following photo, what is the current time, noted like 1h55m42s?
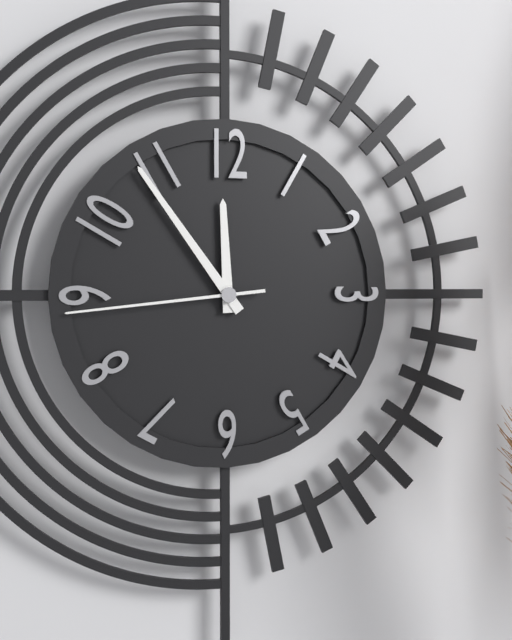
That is 11h54m44s
